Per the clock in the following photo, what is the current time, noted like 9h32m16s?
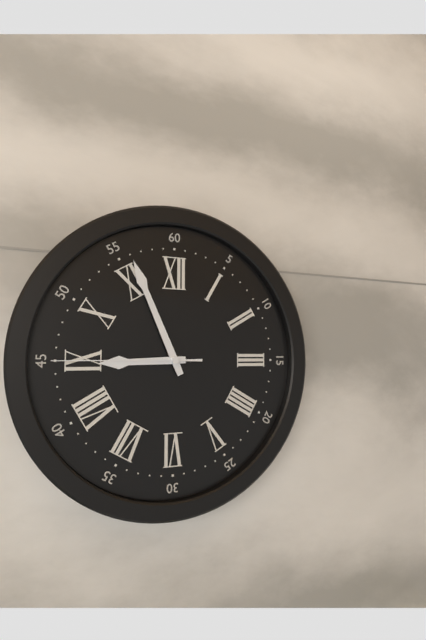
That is 8h56m45s
